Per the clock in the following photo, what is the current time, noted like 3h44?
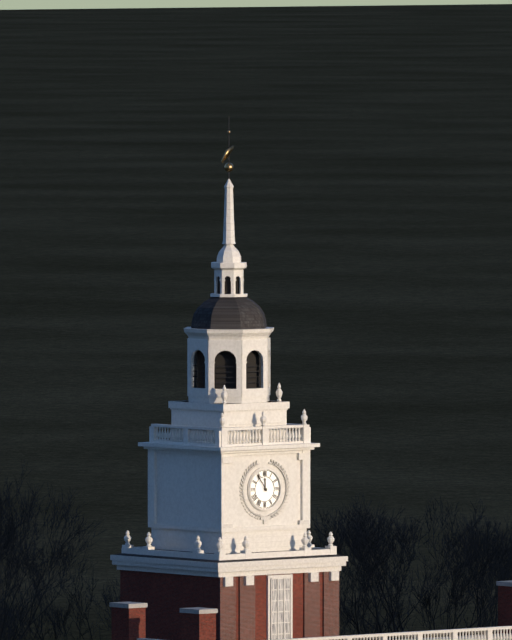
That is 11h54
